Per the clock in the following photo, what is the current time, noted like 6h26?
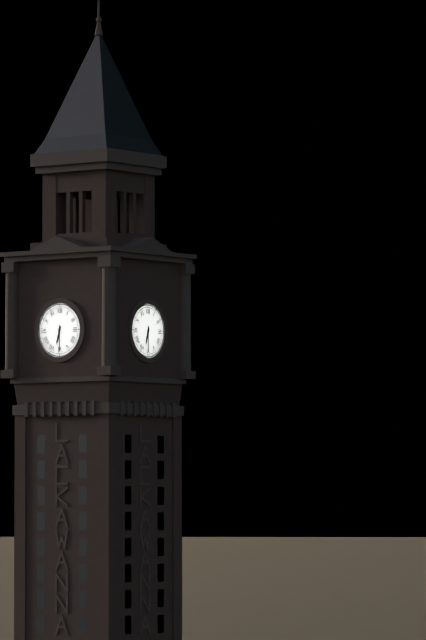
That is 6h30
